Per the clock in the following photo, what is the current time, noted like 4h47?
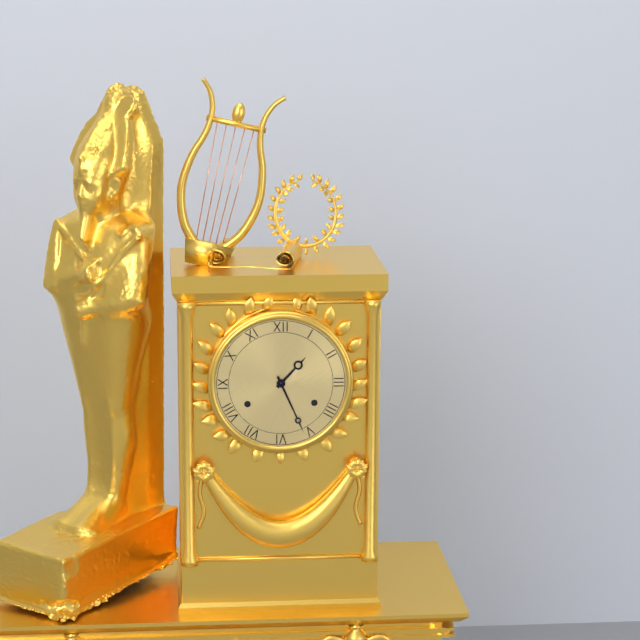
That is 1h26
